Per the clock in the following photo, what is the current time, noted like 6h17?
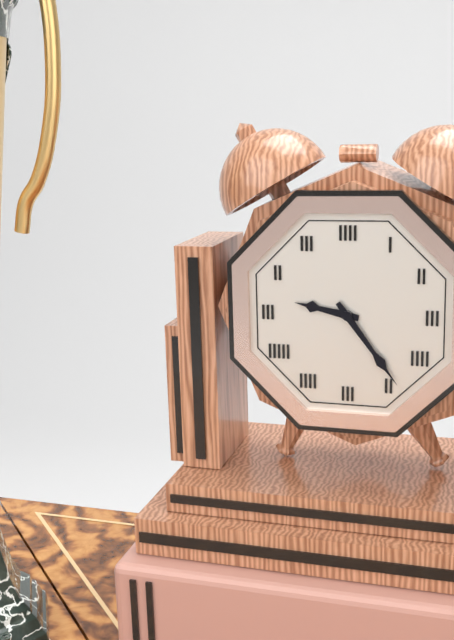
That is 9h24
